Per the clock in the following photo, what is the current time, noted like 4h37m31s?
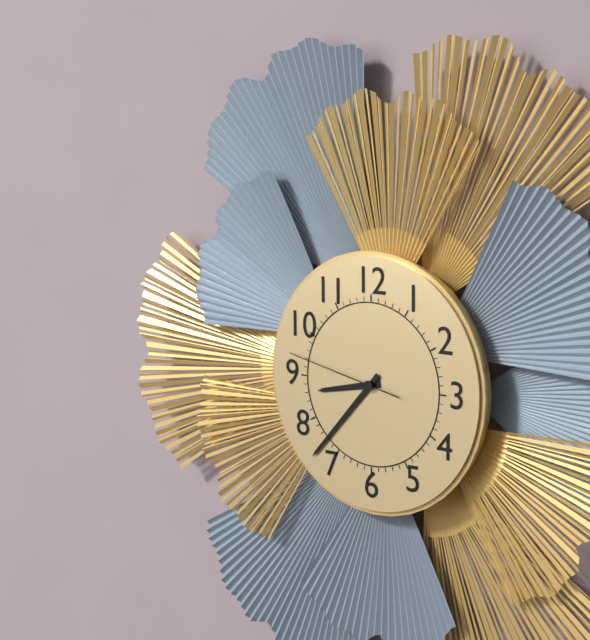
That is 8h37m47s
